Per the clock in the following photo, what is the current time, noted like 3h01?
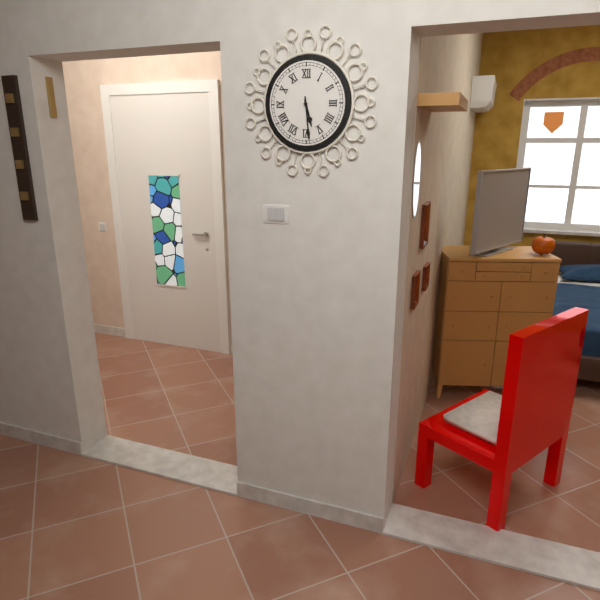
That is 5h29
